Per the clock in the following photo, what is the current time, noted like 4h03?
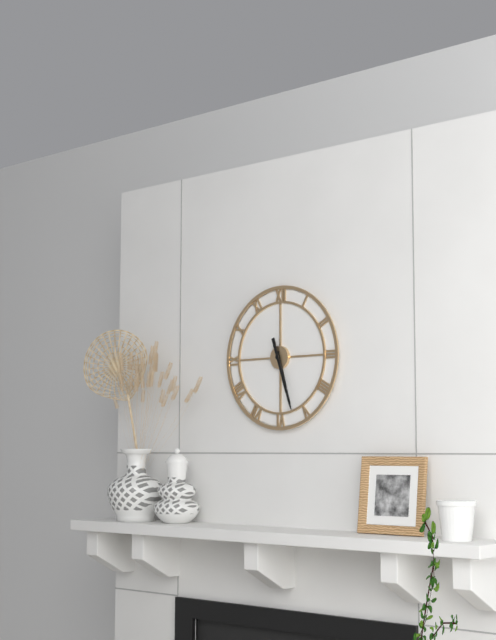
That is 5h27
